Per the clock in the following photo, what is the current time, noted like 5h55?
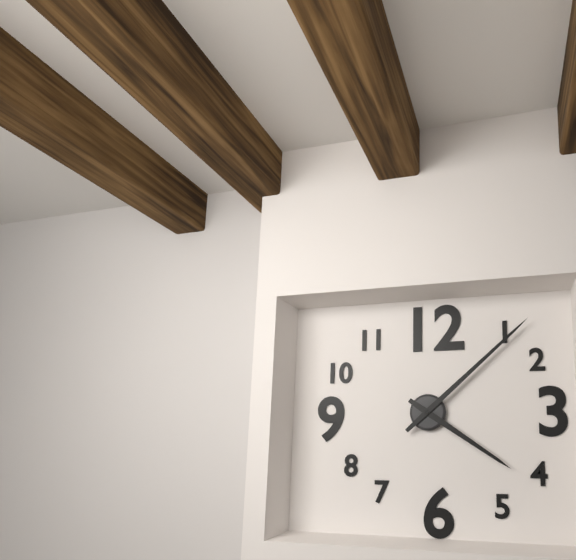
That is 4h08
